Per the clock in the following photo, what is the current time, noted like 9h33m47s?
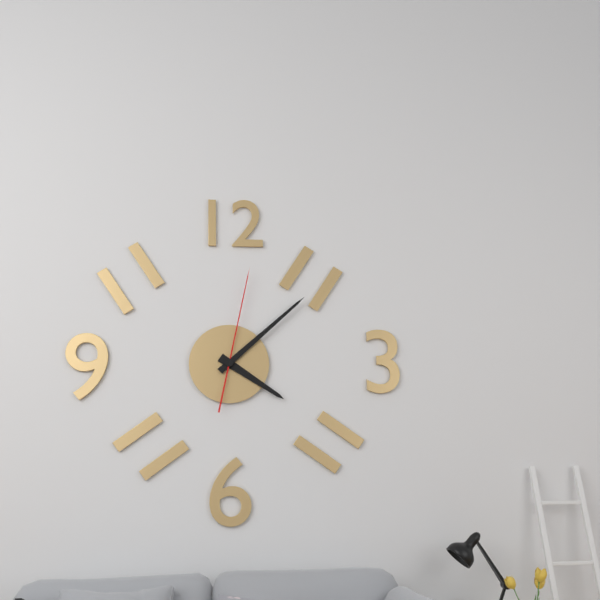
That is 4h08m02s
